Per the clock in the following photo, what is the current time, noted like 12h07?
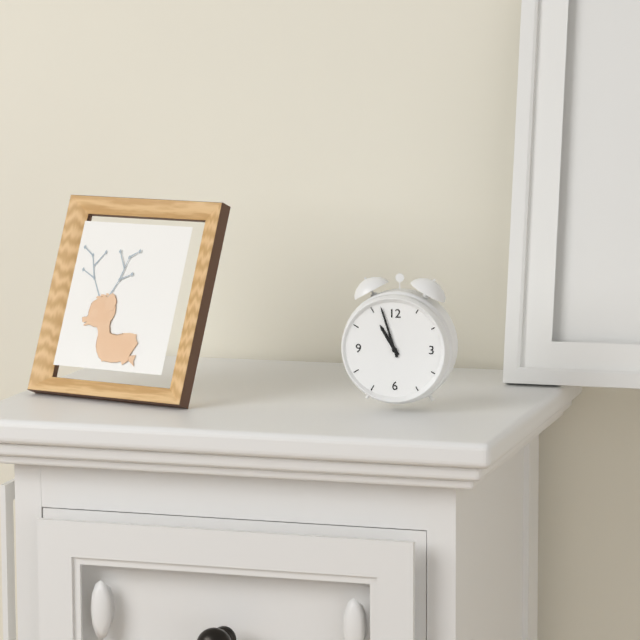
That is 10h57
